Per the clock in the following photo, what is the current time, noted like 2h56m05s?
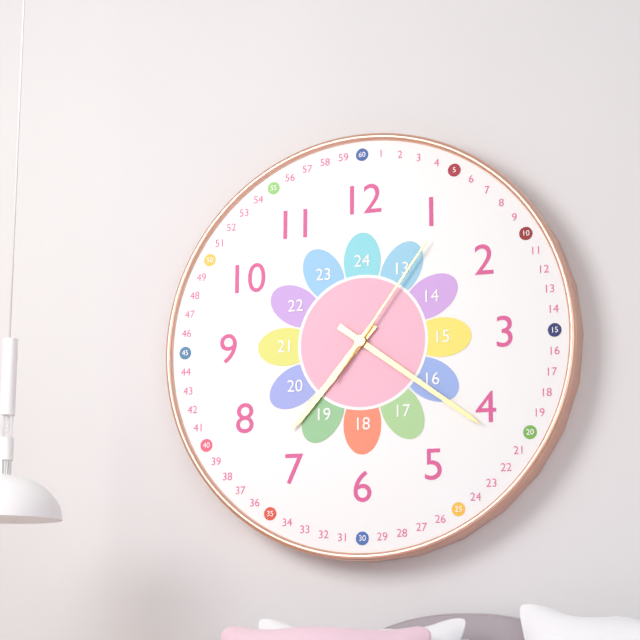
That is 7h21m06s
